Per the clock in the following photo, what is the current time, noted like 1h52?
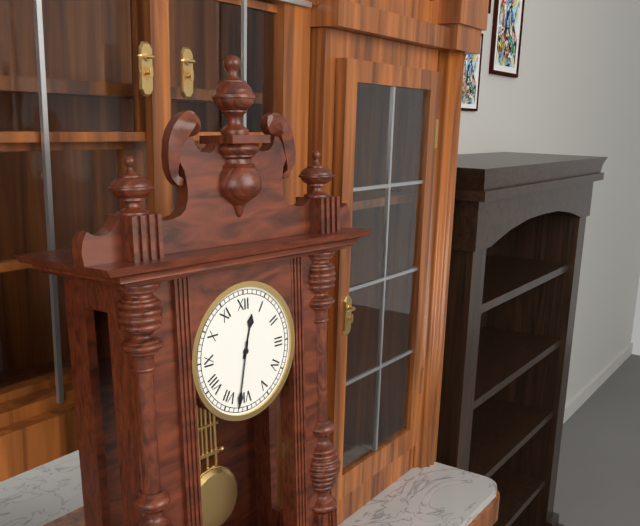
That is 12h32
